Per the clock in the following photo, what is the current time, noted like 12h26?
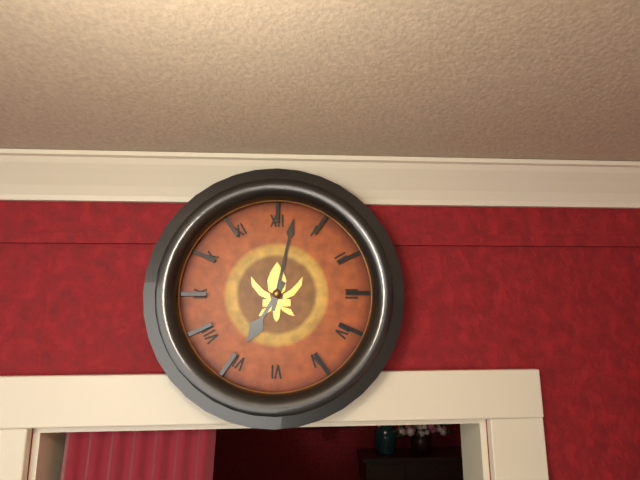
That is 7h02
